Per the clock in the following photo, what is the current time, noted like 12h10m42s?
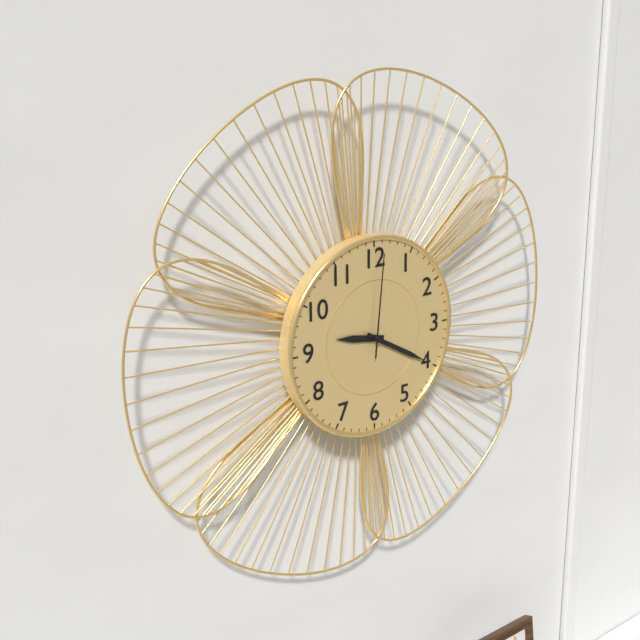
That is 9h20m01s
